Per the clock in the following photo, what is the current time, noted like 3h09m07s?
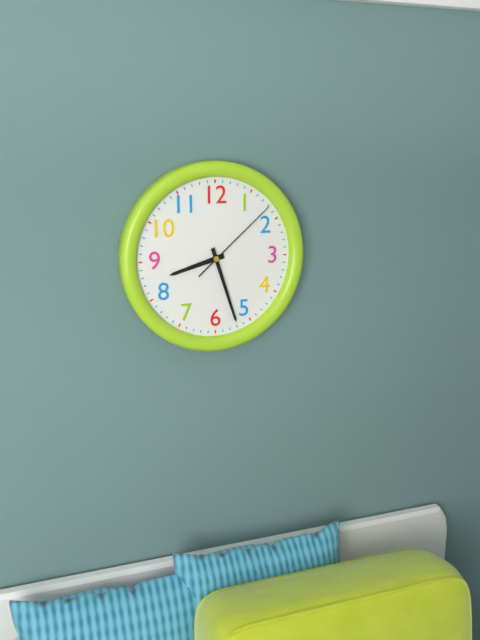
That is 8h27m08s
